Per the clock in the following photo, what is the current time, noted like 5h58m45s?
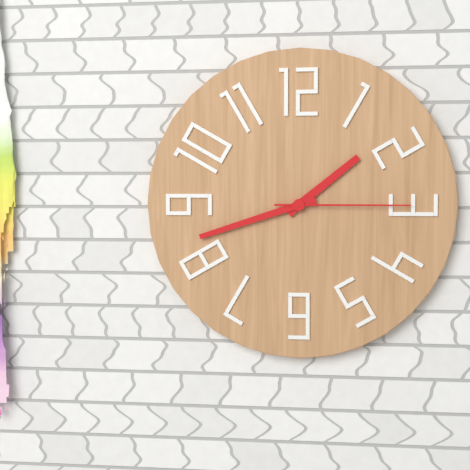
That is 1h42m15s
